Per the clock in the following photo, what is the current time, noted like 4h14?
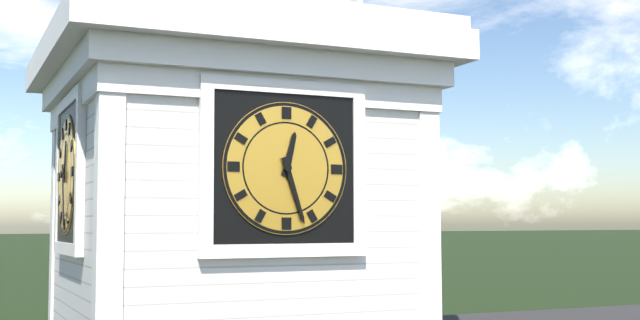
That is 12h27
